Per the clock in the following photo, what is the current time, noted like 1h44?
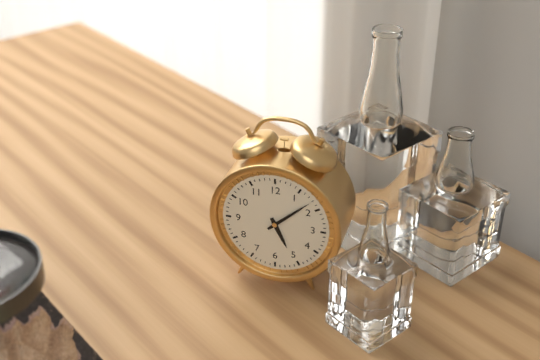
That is 5h08
